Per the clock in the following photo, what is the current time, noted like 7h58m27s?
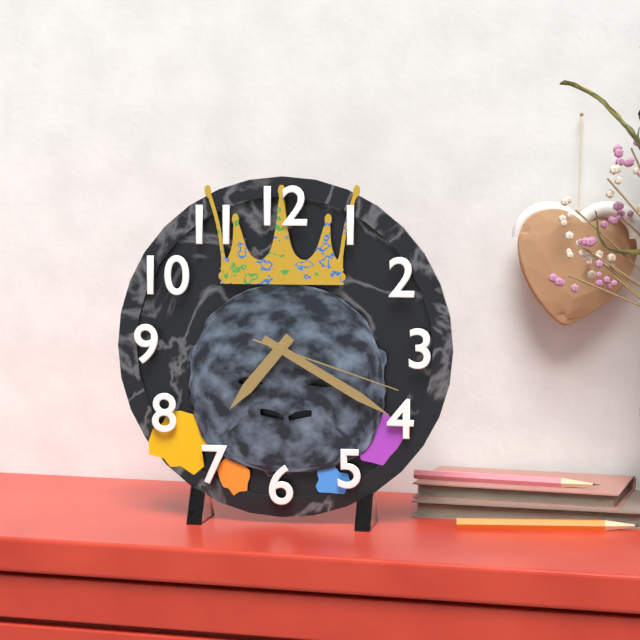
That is 7h20m18s
